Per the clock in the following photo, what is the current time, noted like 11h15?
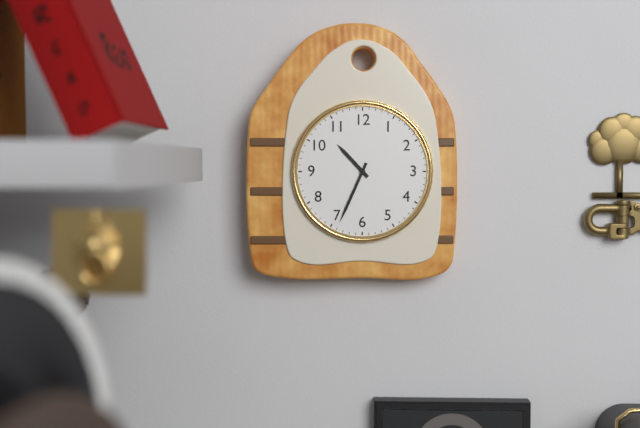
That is 10h34
